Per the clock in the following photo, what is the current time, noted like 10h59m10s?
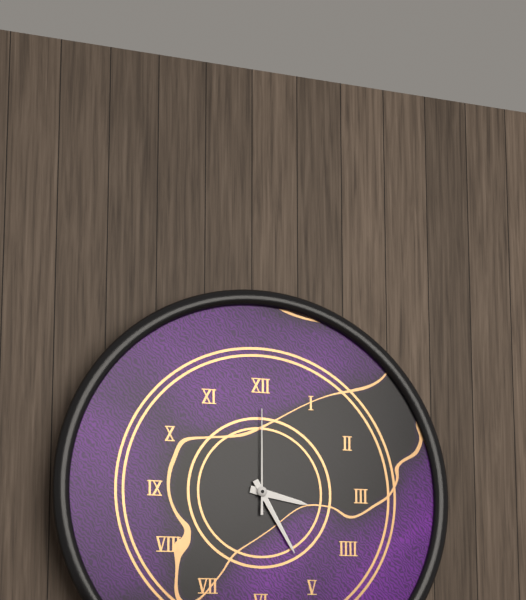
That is 3h25m00s
